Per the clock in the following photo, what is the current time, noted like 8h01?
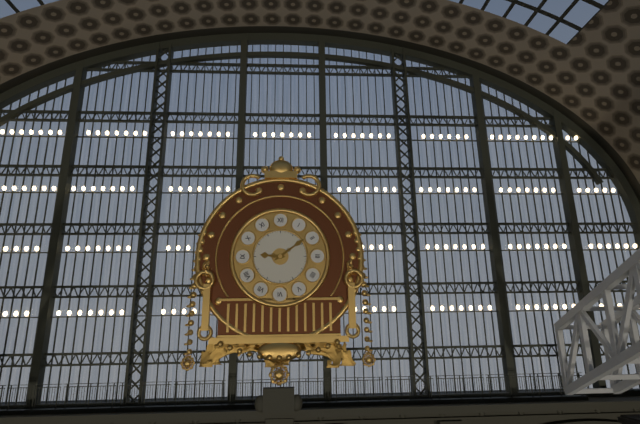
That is 9h09
